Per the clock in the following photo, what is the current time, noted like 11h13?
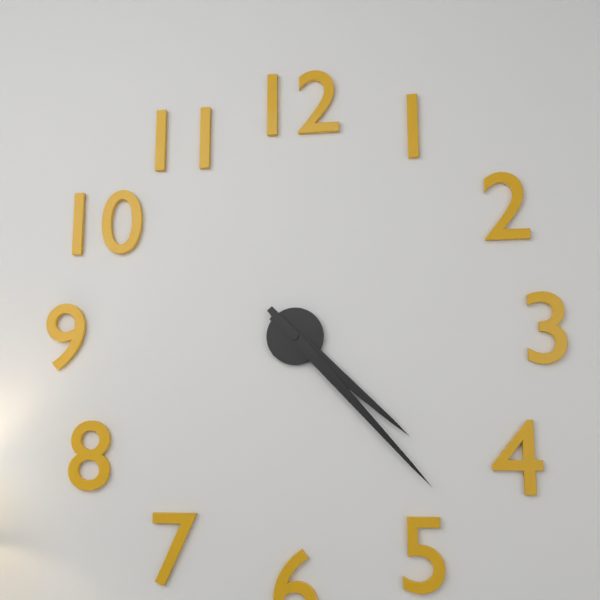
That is 4h23
